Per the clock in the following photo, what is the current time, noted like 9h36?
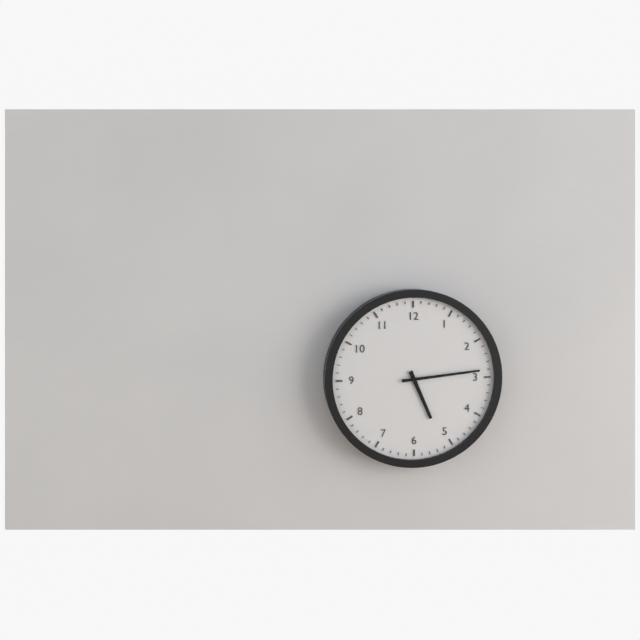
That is 5h14
